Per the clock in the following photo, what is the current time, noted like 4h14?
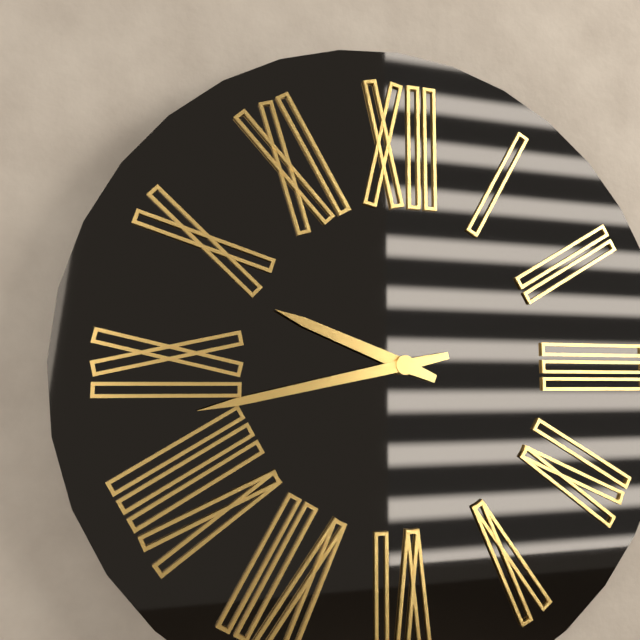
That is 9h43
